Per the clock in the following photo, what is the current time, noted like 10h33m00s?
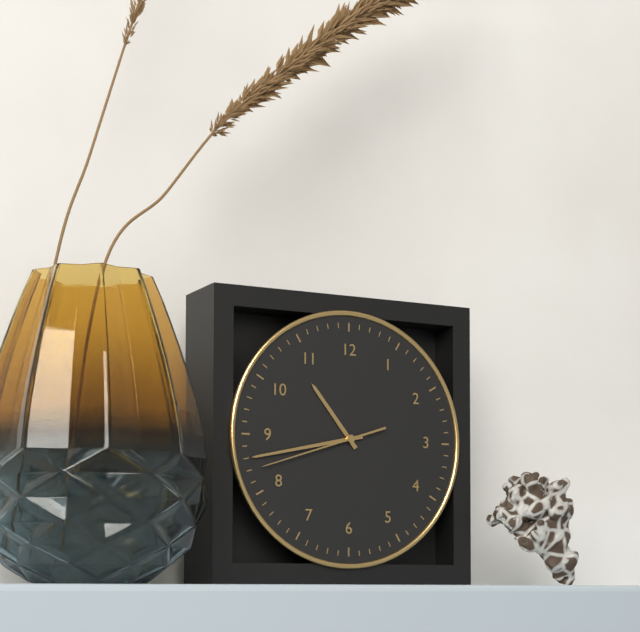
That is 10h43m42s
